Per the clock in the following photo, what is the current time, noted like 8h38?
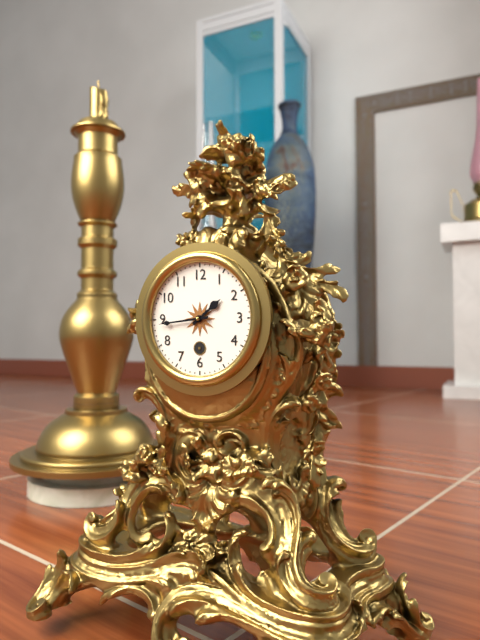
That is 1h44
